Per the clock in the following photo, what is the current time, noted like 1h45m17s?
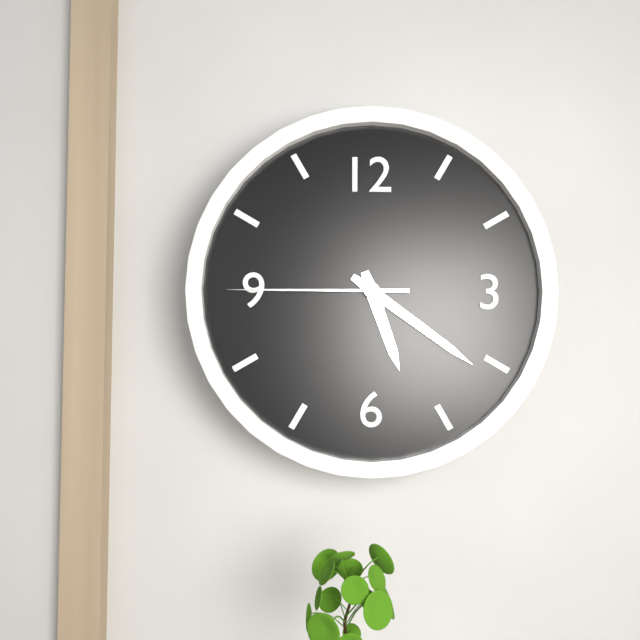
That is 5h21m45s
